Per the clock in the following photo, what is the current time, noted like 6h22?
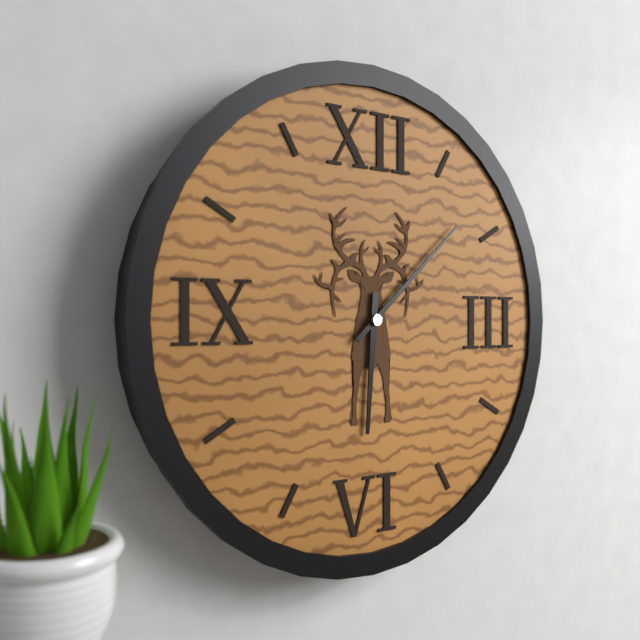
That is 6h08
